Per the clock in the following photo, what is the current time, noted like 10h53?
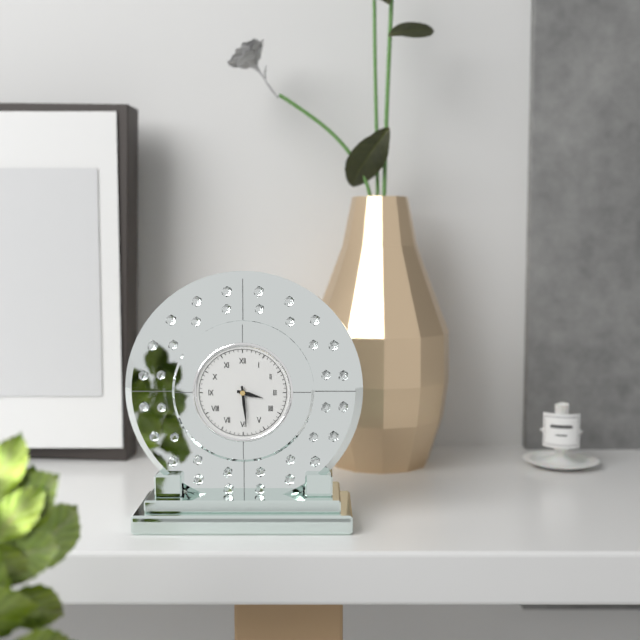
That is 3h29
